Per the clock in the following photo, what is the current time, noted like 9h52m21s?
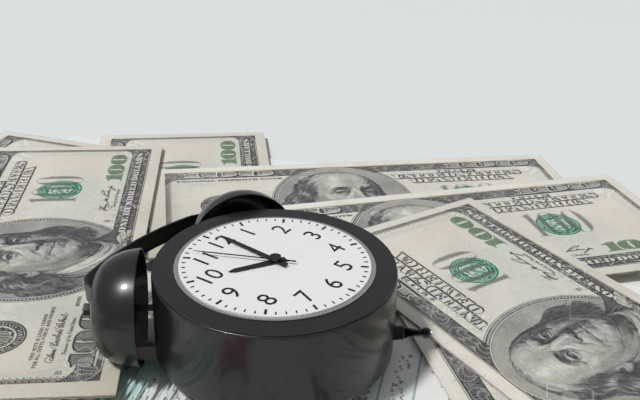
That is 10h01m56s
